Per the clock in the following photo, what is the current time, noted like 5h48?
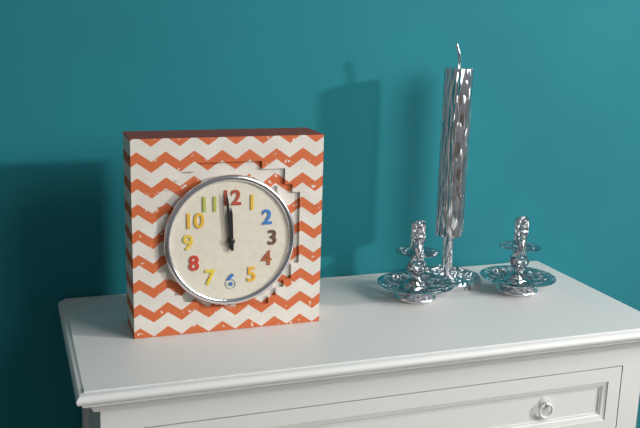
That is 11h59
